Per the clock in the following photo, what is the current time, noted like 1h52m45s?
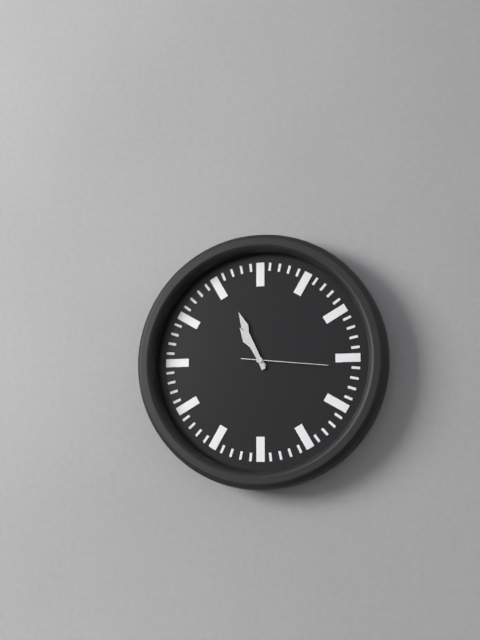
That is 10h56m16s
